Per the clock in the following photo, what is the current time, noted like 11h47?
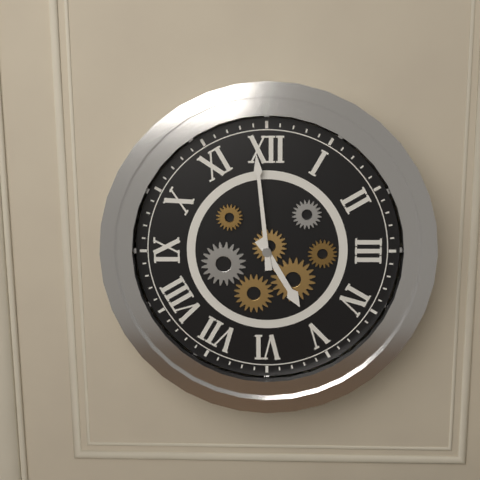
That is 4h59
